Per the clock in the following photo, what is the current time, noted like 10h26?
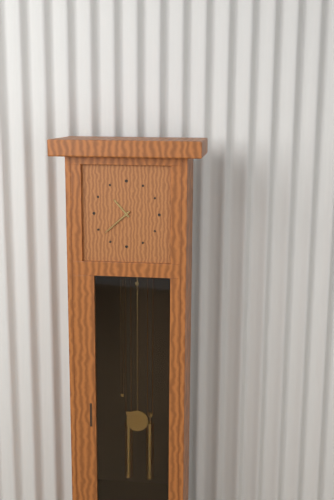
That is 10h38
